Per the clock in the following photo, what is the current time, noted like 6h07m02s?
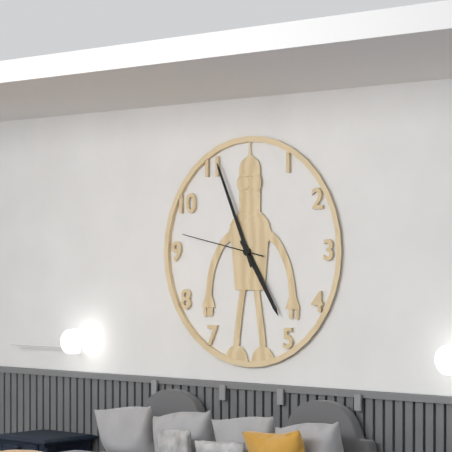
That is 4h56m47s
